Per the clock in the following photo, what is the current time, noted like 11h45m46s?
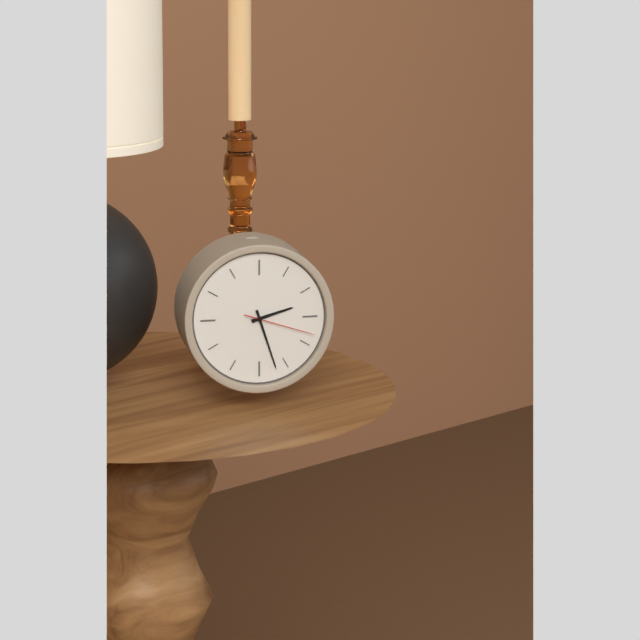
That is 2h27m18s
